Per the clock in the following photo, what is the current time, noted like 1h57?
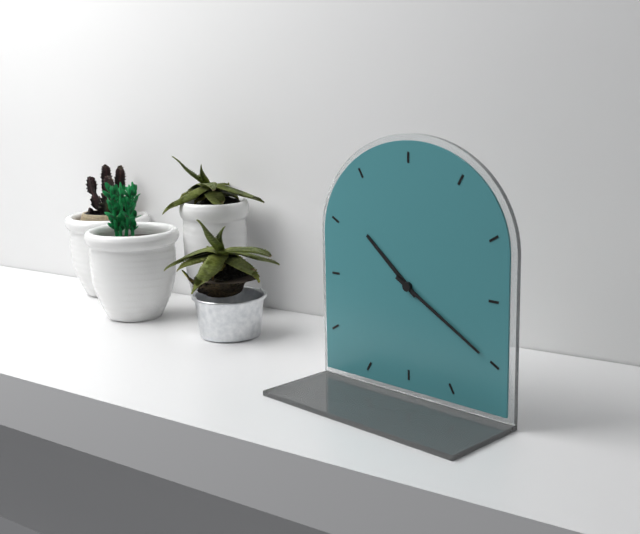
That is 10h20
